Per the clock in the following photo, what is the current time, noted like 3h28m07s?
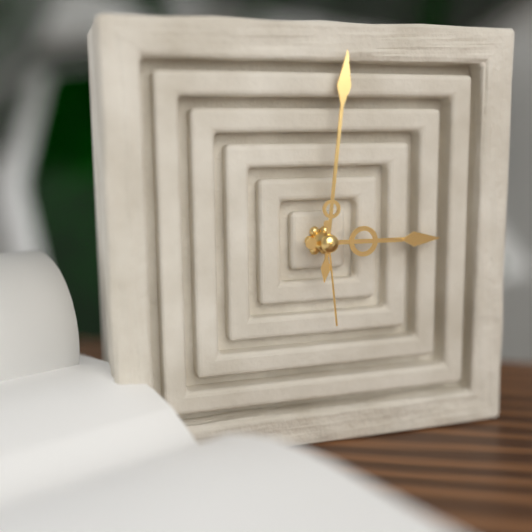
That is 3h01m29s
